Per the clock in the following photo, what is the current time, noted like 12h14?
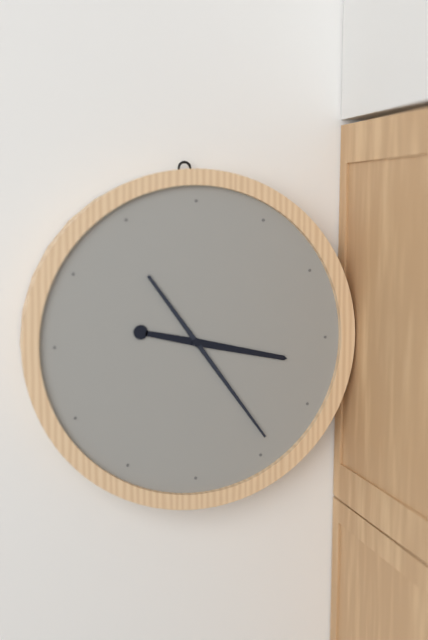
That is 3h24
